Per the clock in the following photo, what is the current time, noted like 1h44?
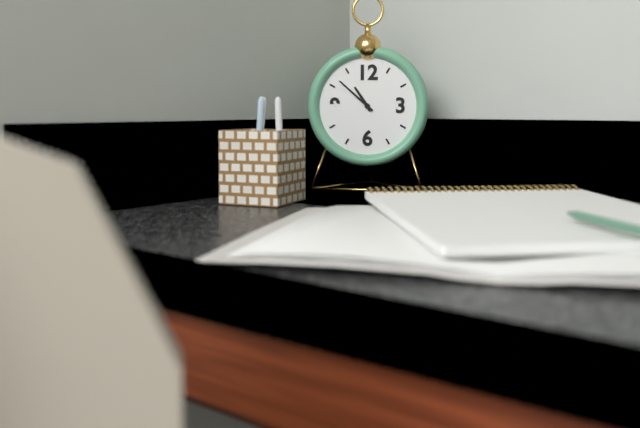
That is 10h52
